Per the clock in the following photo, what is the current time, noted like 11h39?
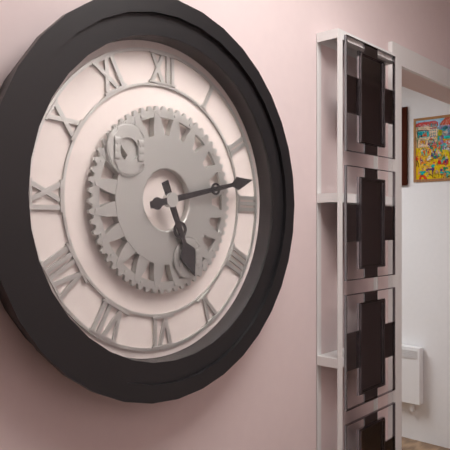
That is 5h13
